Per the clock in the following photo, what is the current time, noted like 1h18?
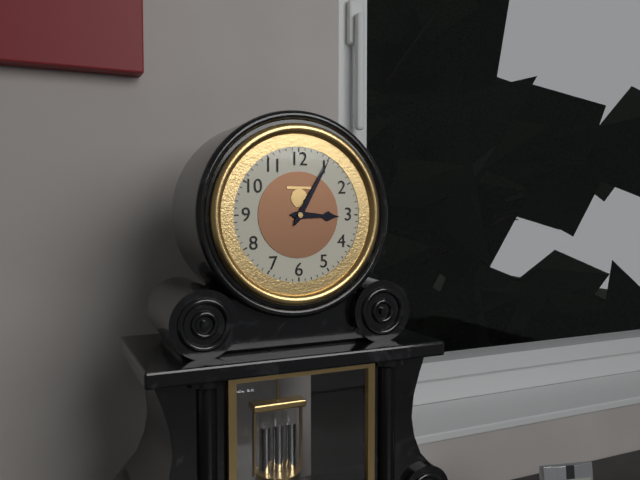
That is 3h05
